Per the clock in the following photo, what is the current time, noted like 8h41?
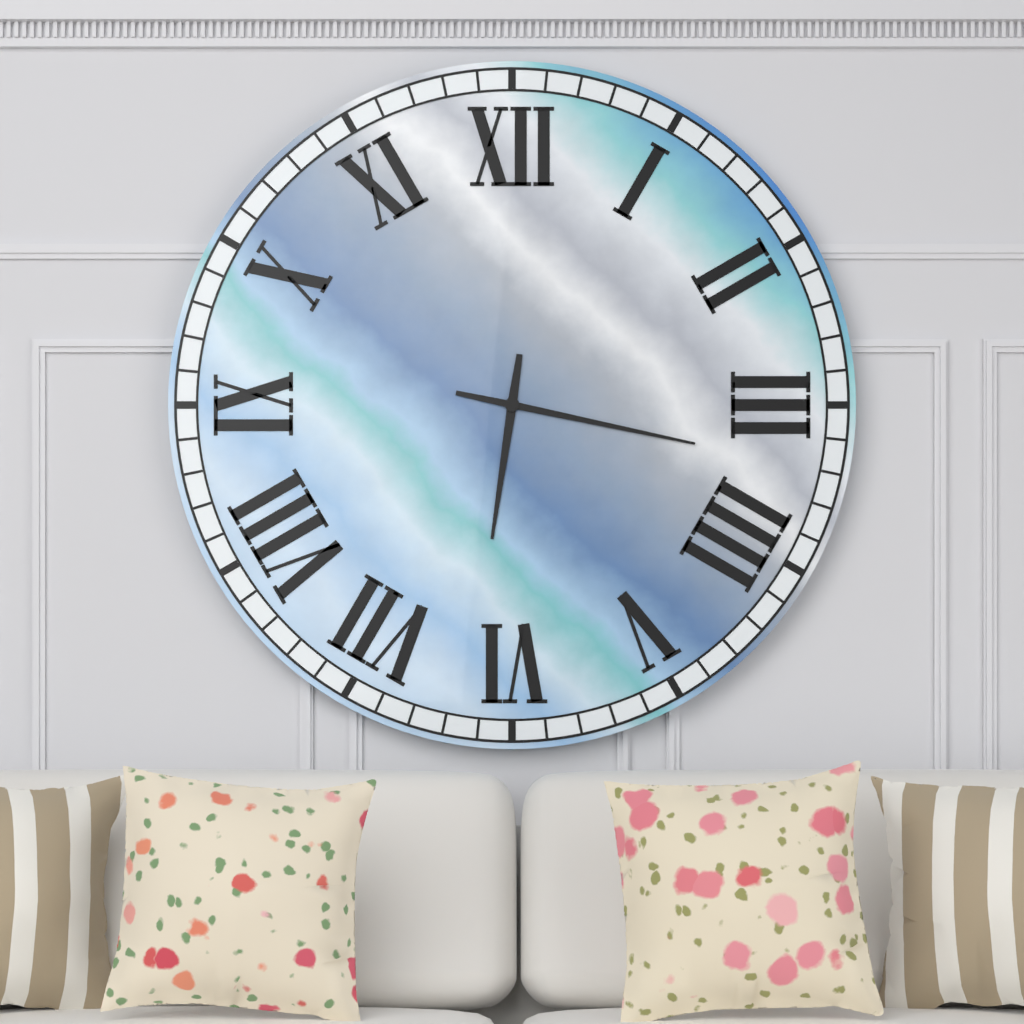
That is 6h17
